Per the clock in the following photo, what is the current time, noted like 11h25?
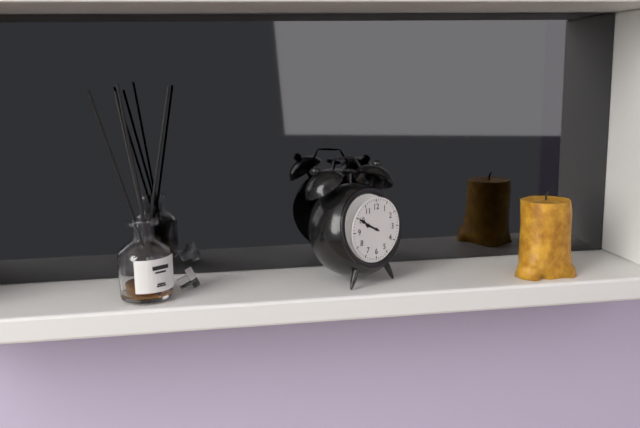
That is 9h50
